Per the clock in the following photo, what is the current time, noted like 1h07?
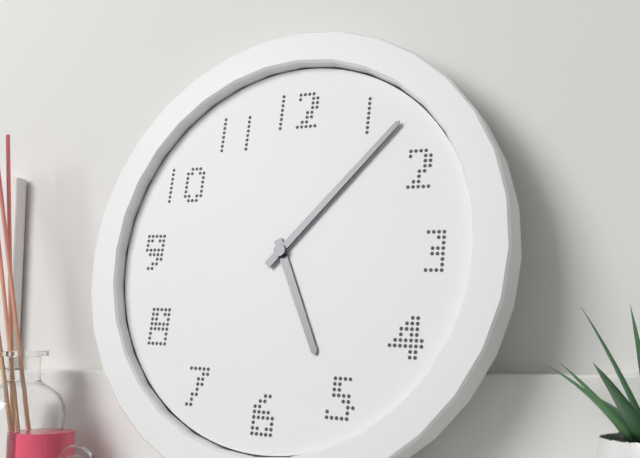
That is 5h07
